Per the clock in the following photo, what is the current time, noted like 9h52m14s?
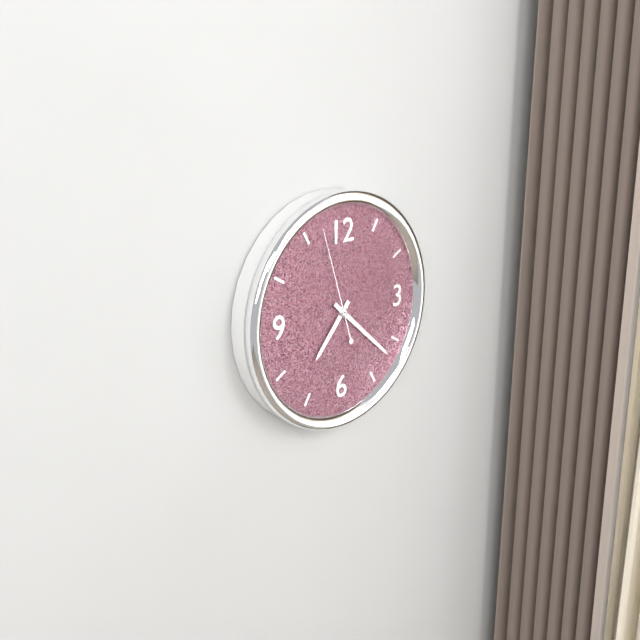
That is 7h22m57s
